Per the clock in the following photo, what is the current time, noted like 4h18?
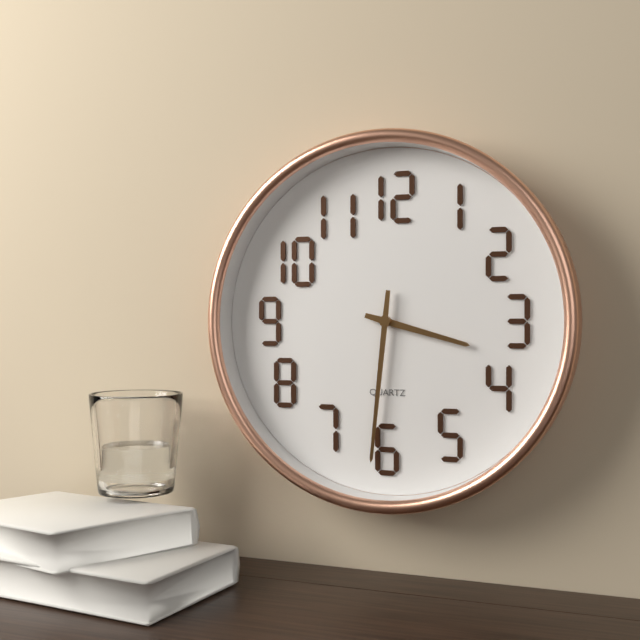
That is 3h31
